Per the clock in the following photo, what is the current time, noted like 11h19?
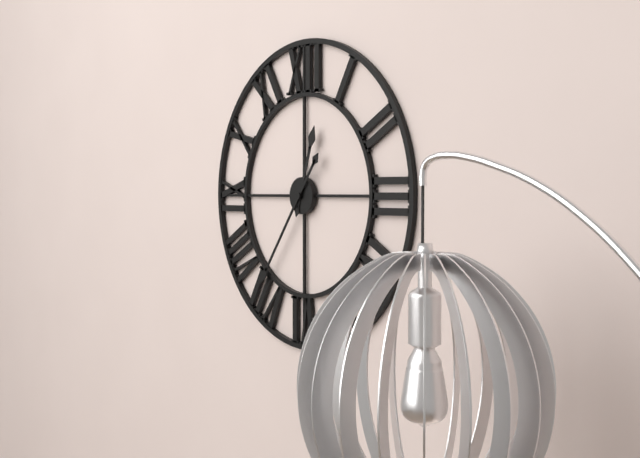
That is 12h36
